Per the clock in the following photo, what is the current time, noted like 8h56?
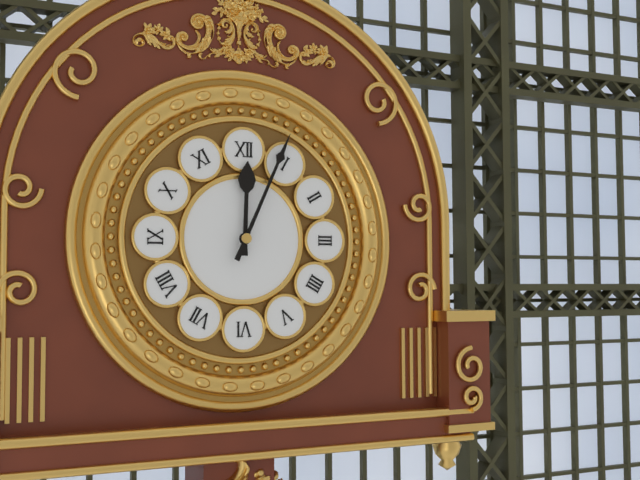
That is 12h04
